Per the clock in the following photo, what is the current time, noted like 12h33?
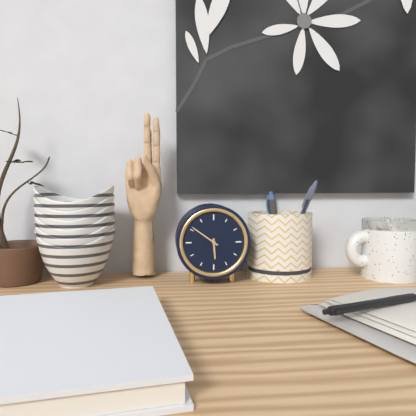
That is 5h51
